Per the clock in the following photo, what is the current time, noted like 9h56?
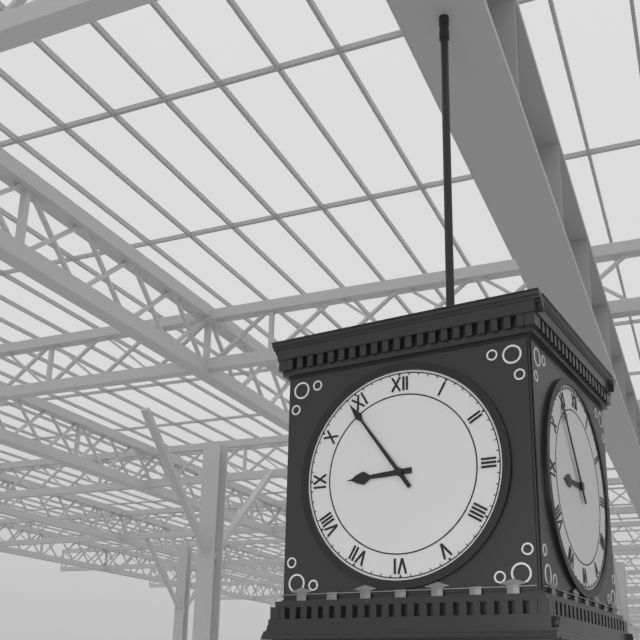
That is 8h54
